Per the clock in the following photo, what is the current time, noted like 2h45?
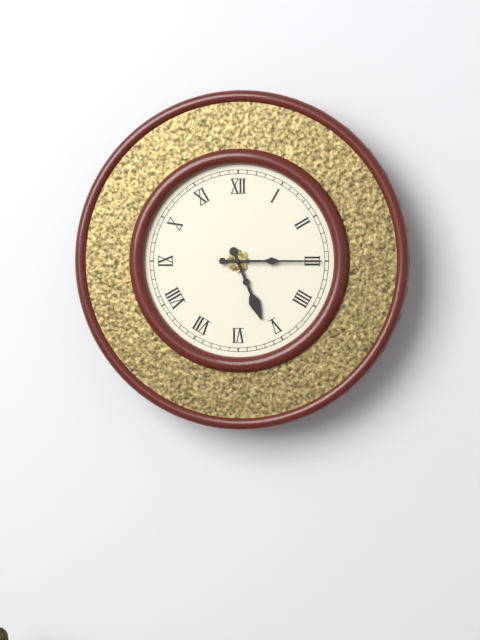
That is 5h15
